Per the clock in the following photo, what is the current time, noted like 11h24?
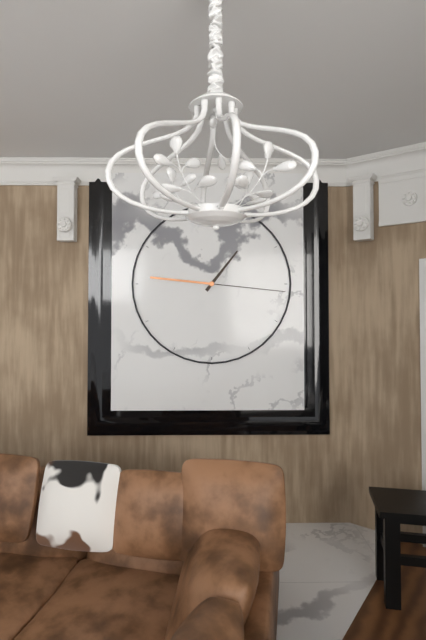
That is 1h16
